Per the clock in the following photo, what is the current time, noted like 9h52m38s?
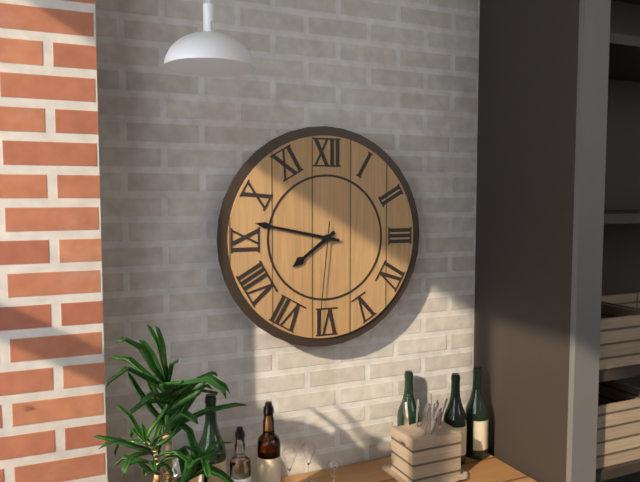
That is 7h47m31s
